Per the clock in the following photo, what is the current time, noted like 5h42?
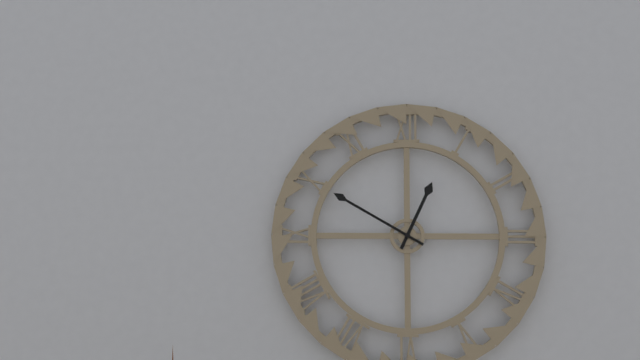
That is 12h50
